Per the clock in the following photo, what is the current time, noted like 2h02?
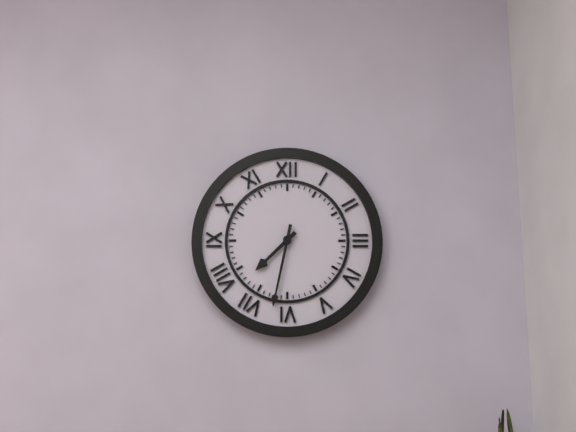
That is 7h32
